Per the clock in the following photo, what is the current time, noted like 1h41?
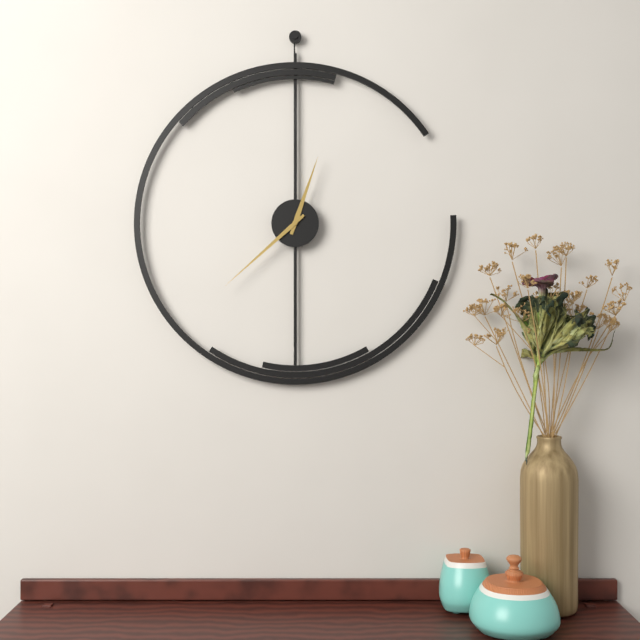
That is 12h38
